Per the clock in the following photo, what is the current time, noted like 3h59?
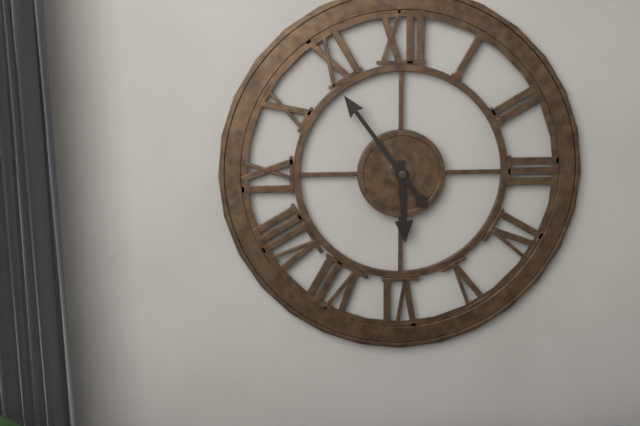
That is 5h54
